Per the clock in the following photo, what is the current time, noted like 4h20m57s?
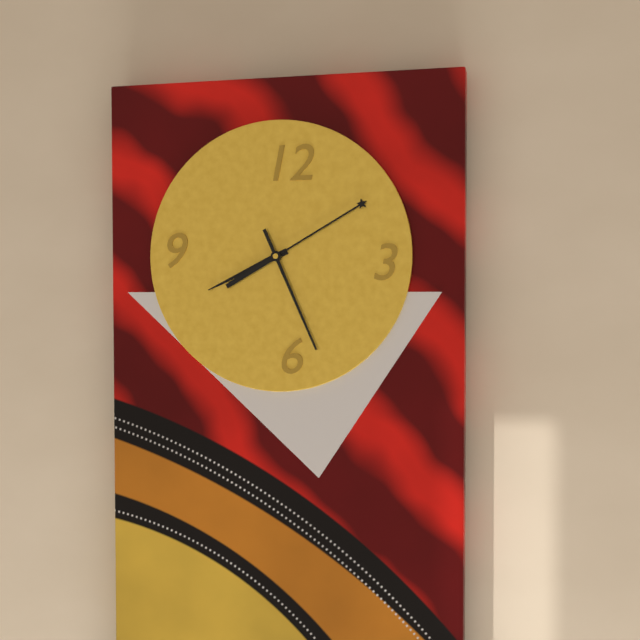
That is 8h10m26s
